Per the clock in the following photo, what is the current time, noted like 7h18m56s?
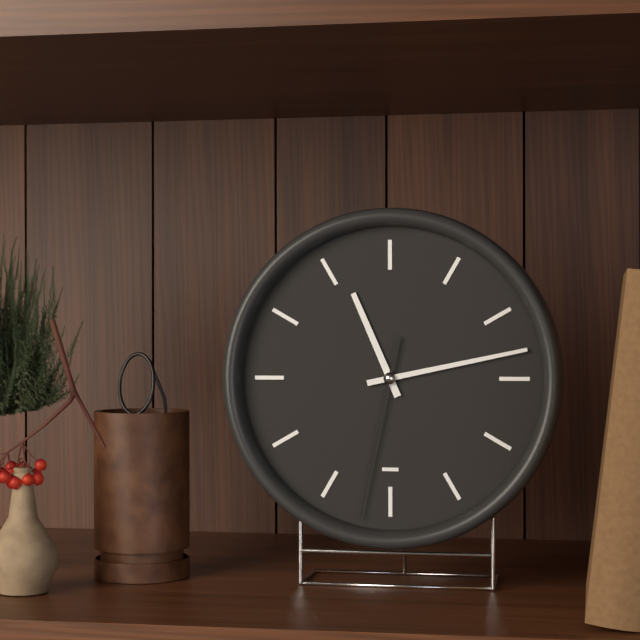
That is 11h13m32s
